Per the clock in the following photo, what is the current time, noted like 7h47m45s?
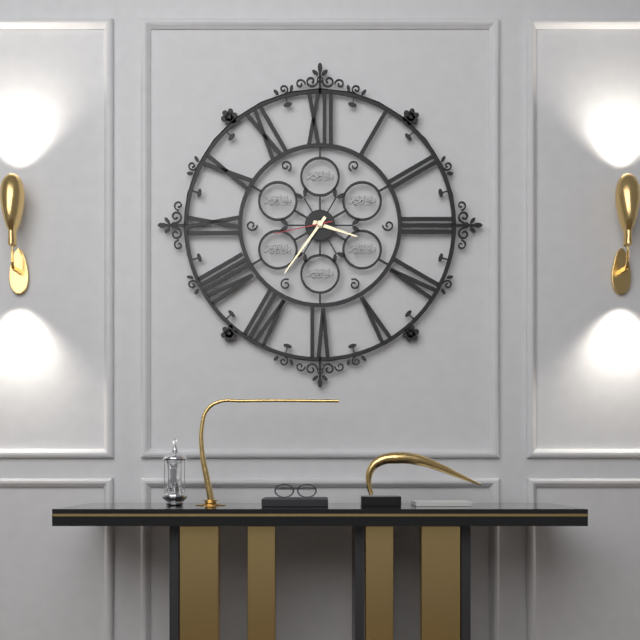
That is 3h36m43s
